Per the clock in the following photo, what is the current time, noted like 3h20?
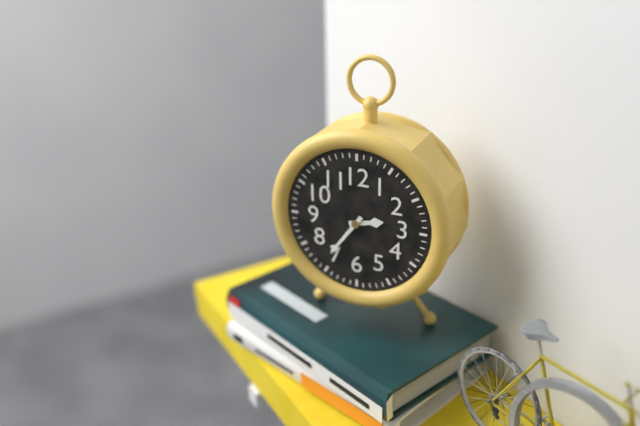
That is 2h36
